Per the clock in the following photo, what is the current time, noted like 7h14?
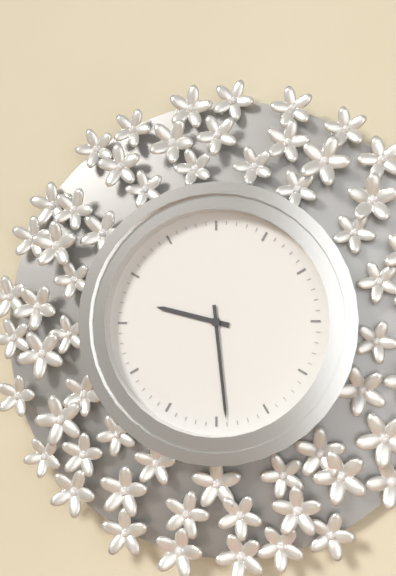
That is 9h29
